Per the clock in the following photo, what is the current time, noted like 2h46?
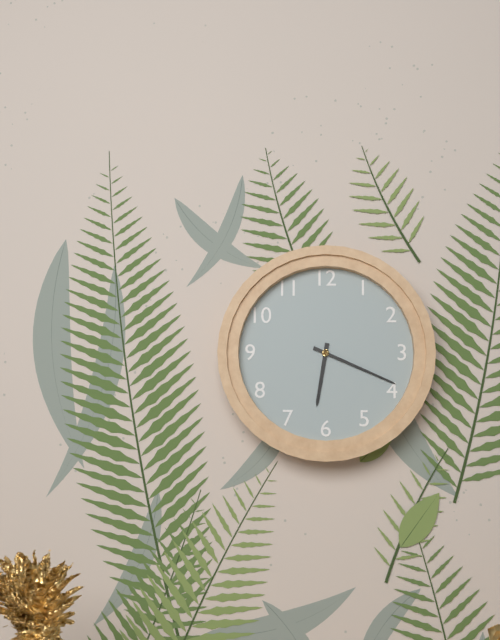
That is 6h19
